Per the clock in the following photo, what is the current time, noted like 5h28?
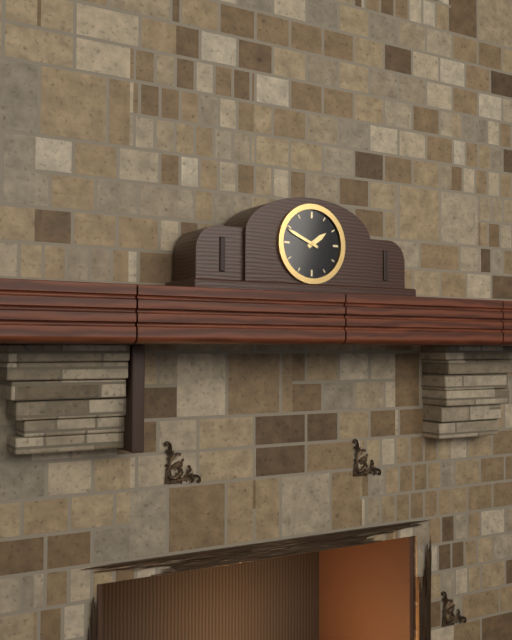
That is 1h49
